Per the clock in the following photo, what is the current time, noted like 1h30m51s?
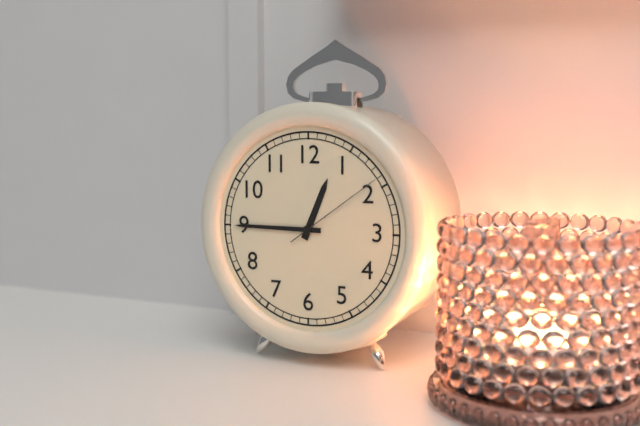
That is 12h45m09s
